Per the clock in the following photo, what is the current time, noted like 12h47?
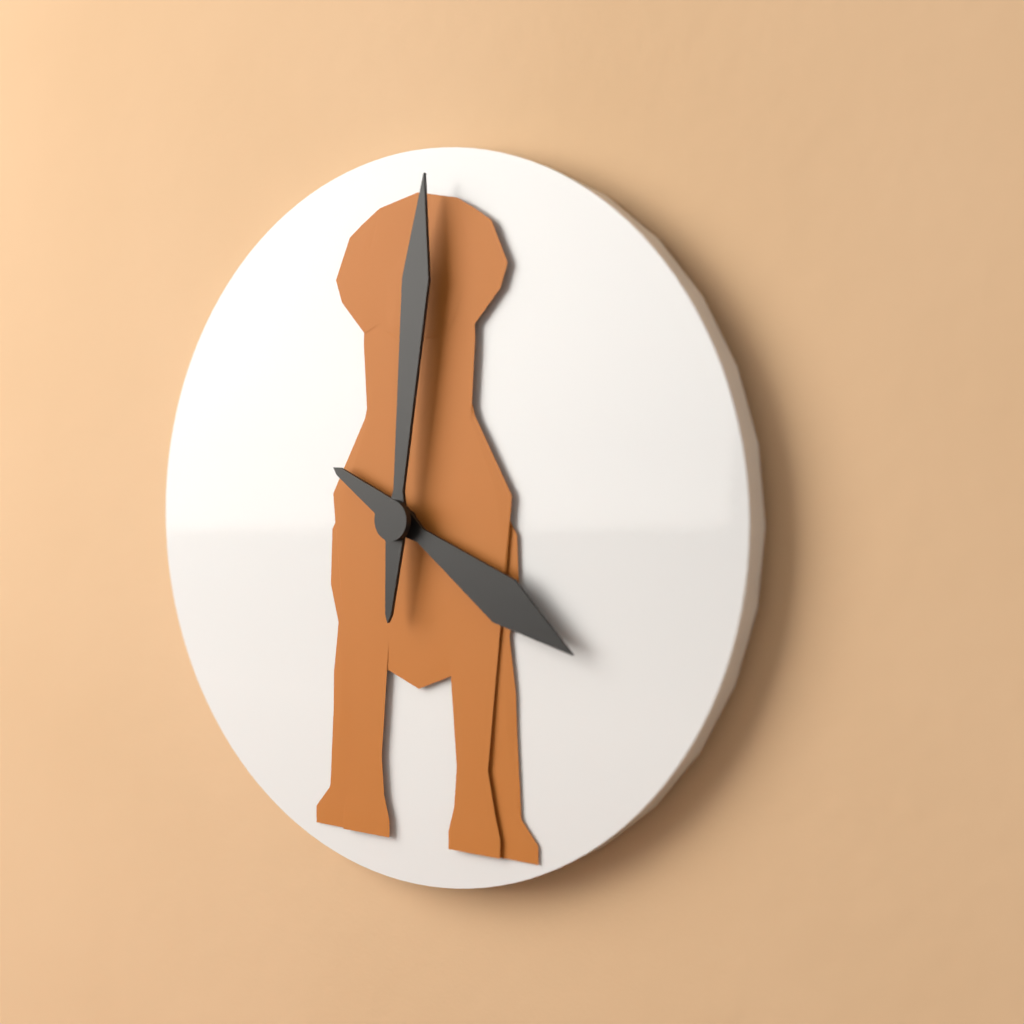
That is 4h01
